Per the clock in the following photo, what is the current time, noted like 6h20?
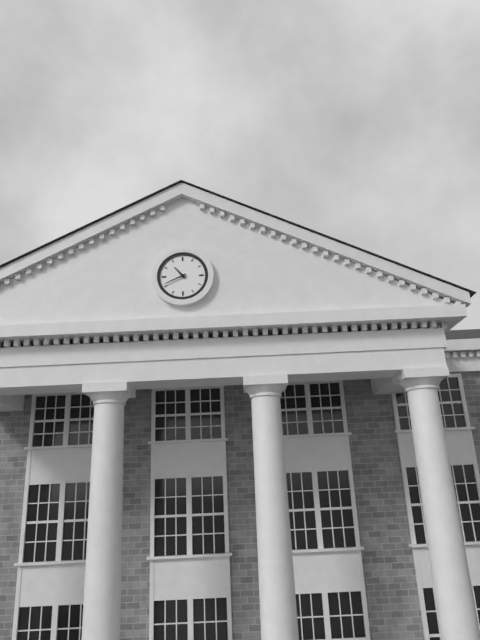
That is 10h41
